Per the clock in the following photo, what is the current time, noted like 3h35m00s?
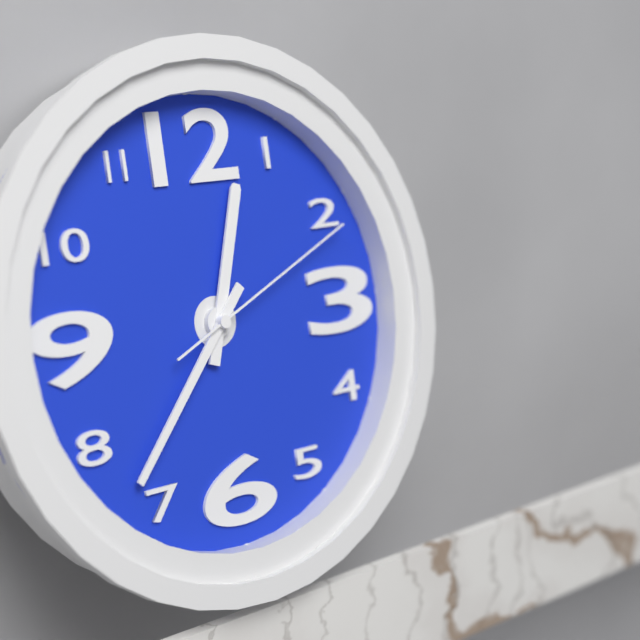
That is 12h37m11s
